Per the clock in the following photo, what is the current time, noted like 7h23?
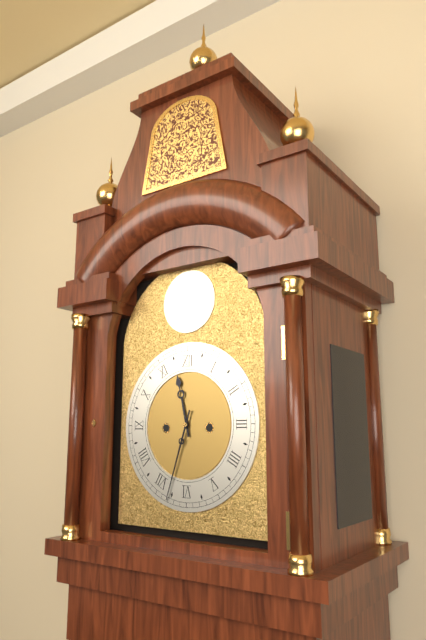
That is 11h33
